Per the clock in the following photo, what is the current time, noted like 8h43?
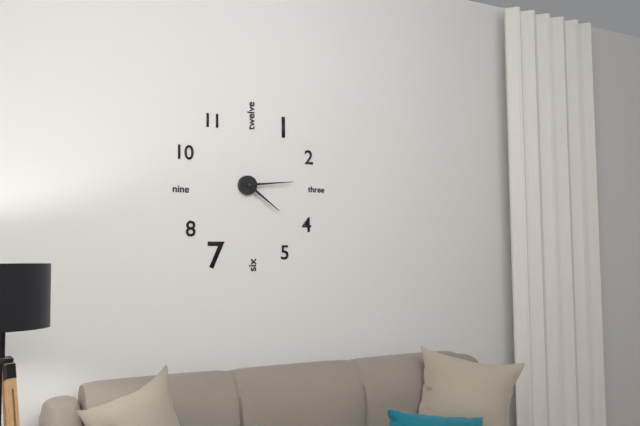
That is 4h14
